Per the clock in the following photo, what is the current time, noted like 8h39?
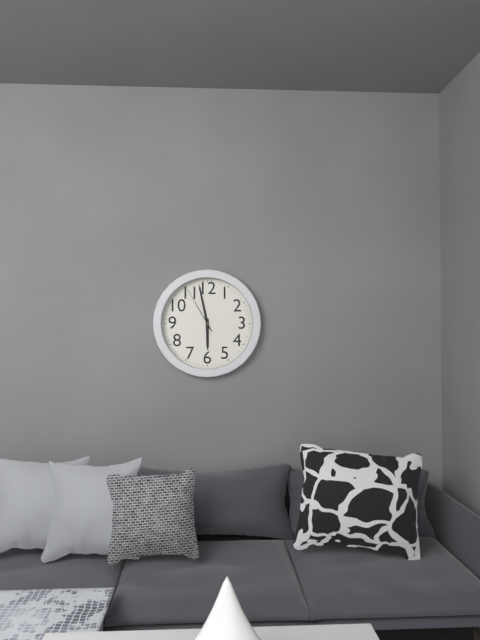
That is 5h58
